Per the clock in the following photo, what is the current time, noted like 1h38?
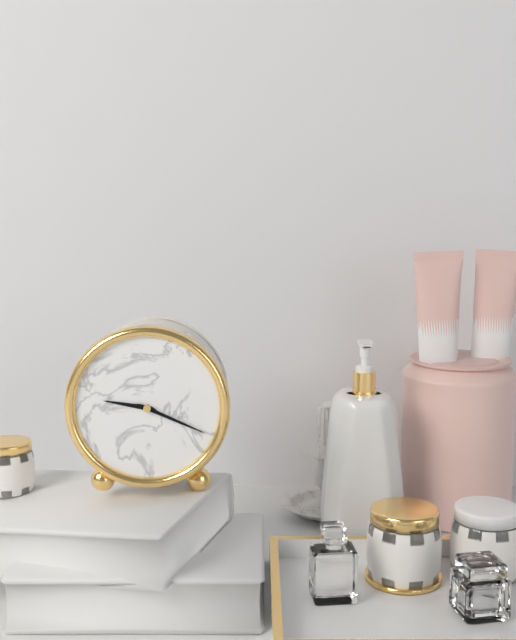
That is 9h19
